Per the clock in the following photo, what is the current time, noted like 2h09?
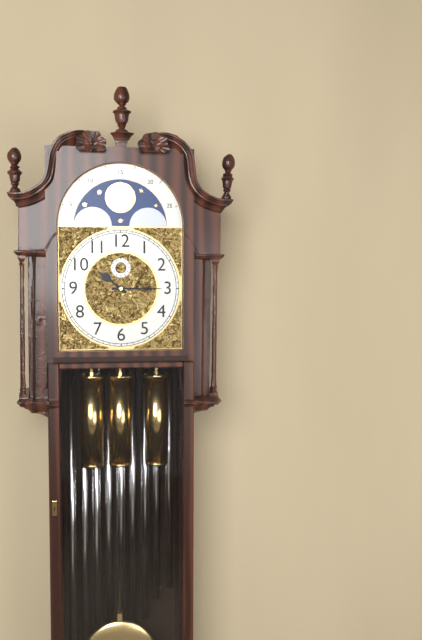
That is 10h15
